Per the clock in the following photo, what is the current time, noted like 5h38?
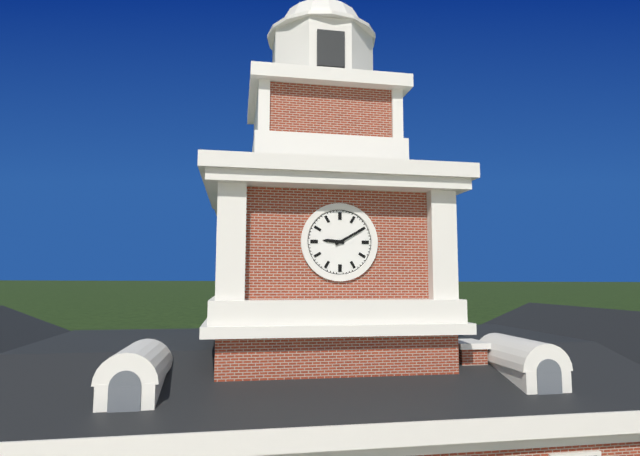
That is 9h10
